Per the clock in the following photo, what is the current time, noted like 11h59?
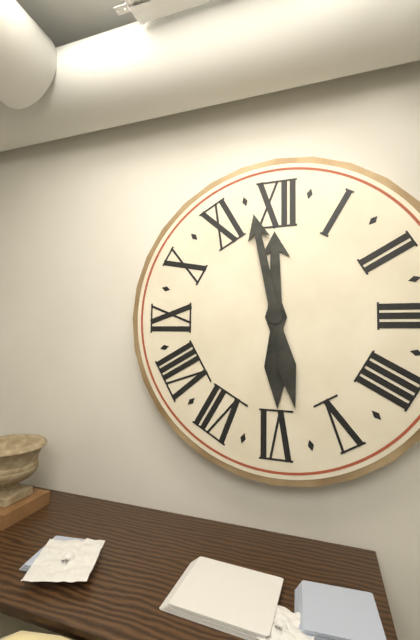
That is 11h58
